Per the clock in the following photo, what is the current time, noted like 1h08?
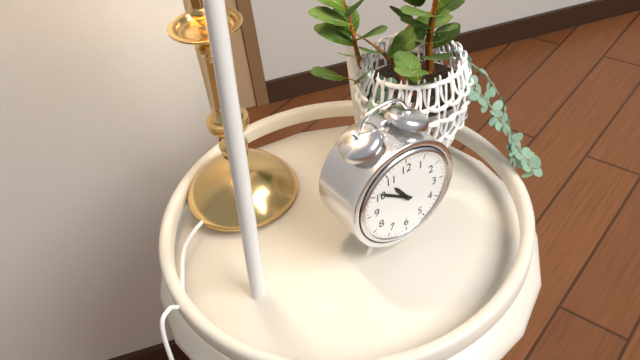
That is 10h51
